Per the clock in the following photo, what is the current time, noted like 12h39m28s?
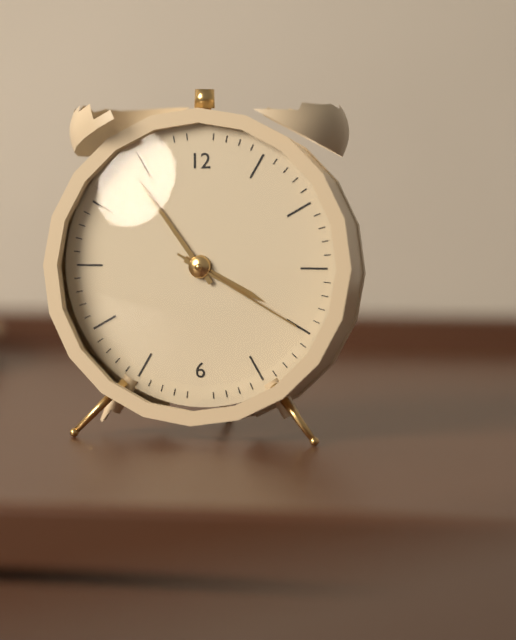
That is 3h54m20s
